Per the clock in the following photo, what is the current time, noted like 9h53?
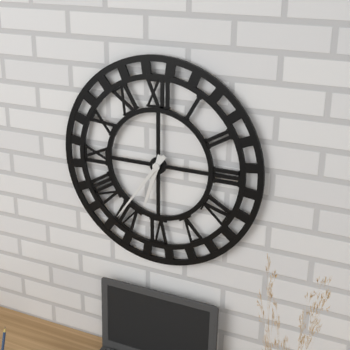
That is 6h36
